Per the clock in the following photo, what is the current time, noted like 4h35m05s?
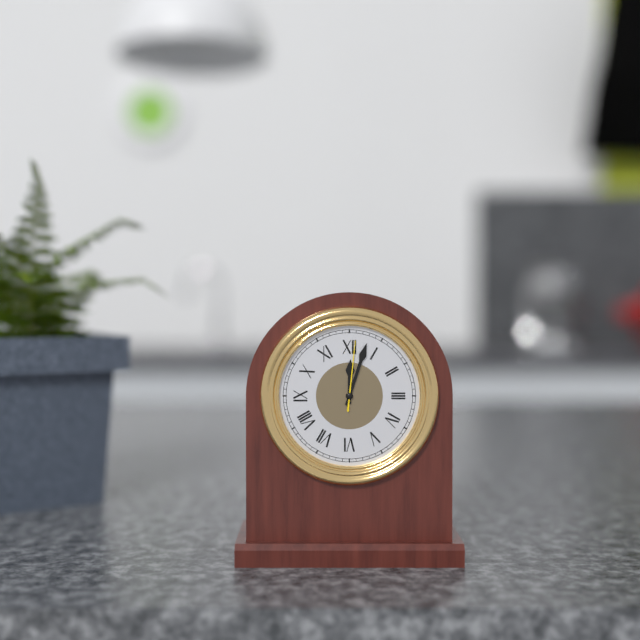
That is 12h03m01s
